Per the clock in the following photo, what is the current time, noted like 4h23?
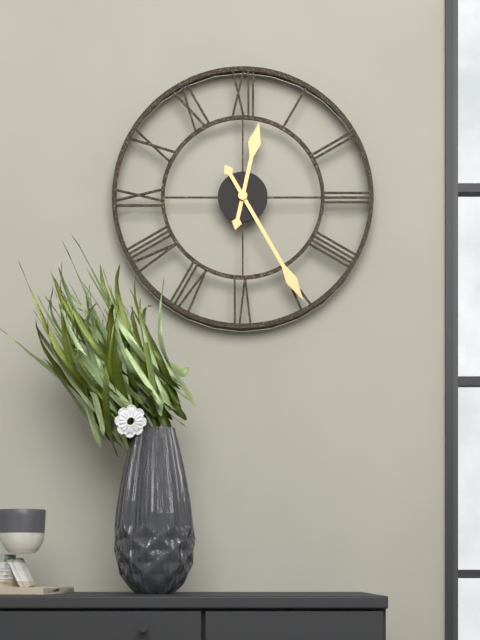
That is 12h25
